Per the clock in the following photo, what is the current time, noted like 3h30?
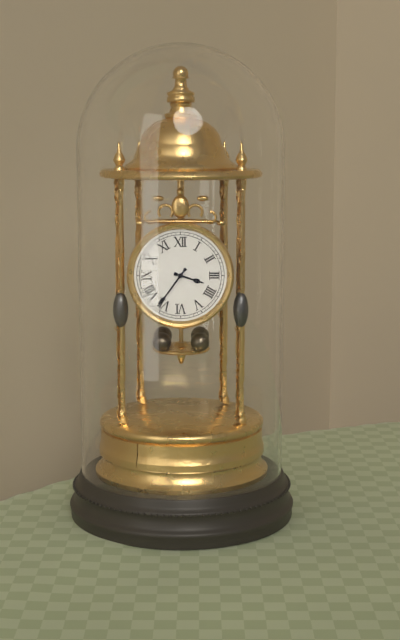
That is 3h36
